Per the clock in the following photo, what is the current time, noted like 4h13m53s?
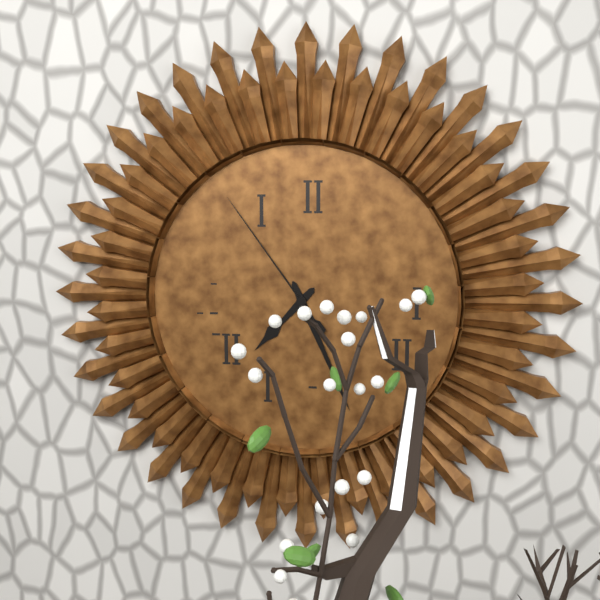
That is 7h26m54s
